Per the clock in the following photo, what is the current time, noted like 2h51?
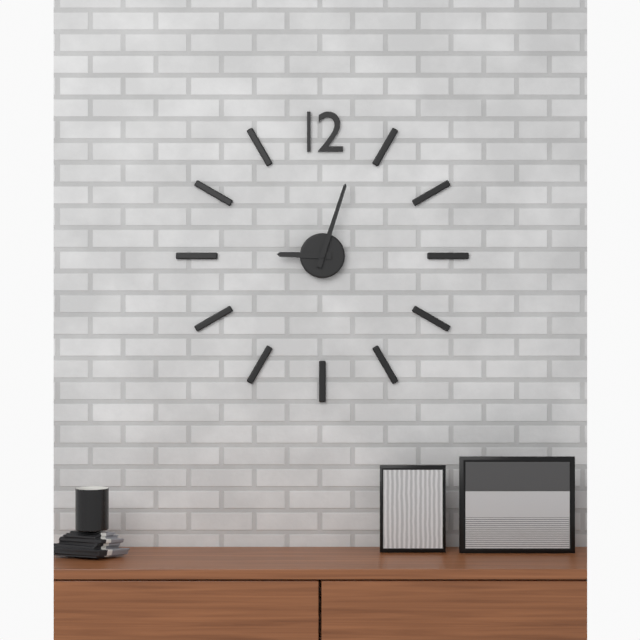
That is 9h03
